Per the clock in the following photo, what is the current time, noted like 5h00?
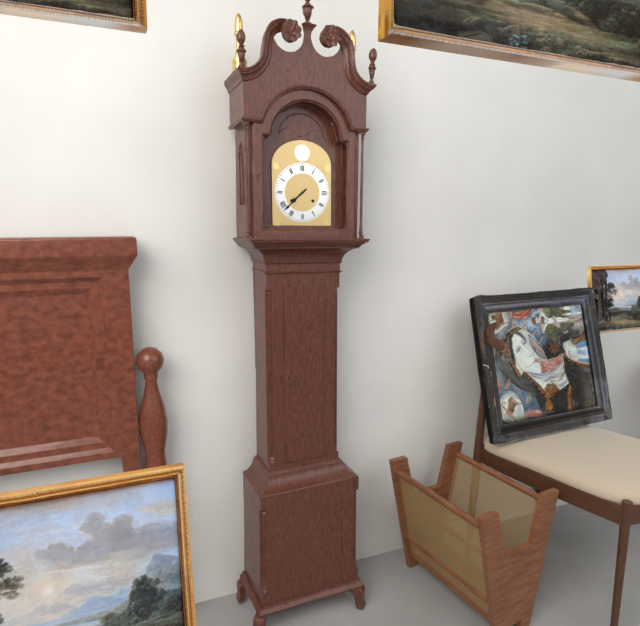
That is 7h38
